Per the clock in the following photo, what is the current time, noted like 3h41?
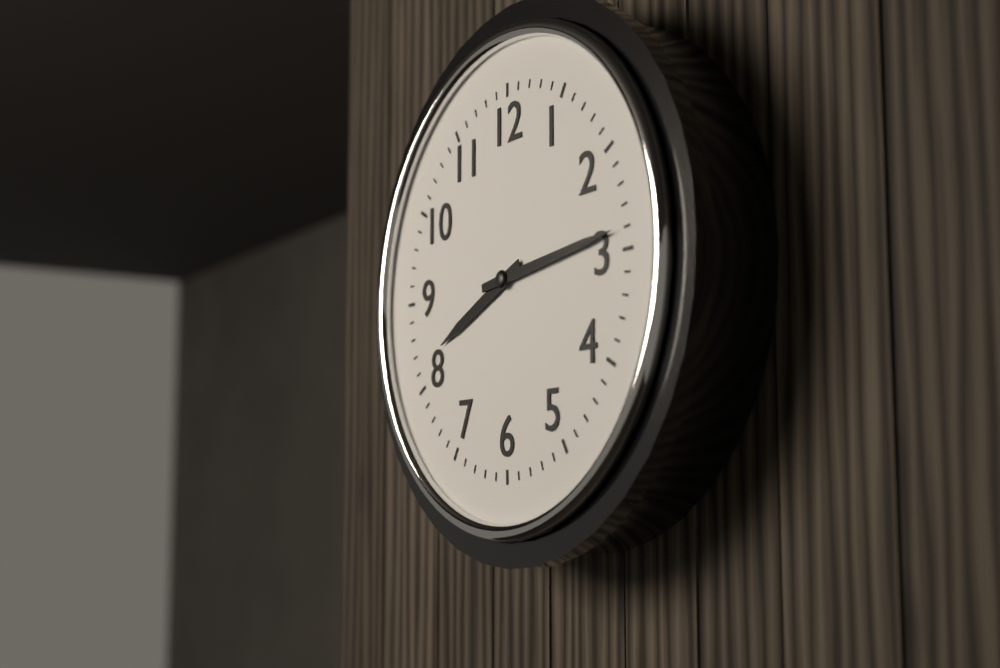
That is 8h14
